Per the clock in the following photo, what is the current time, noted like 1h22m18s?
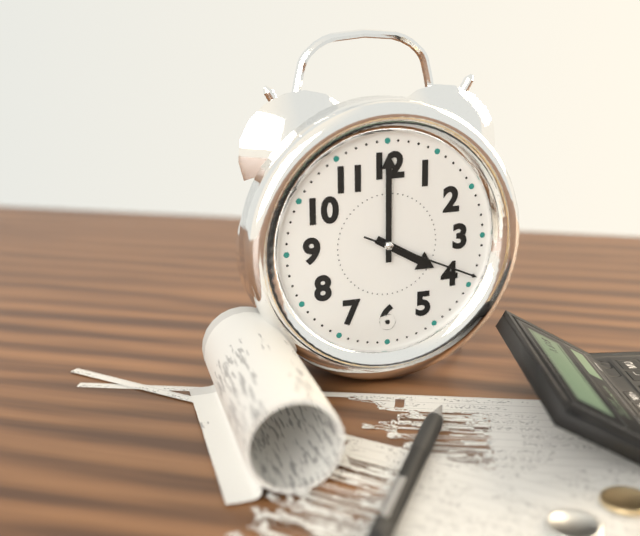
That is 4h00m19s
